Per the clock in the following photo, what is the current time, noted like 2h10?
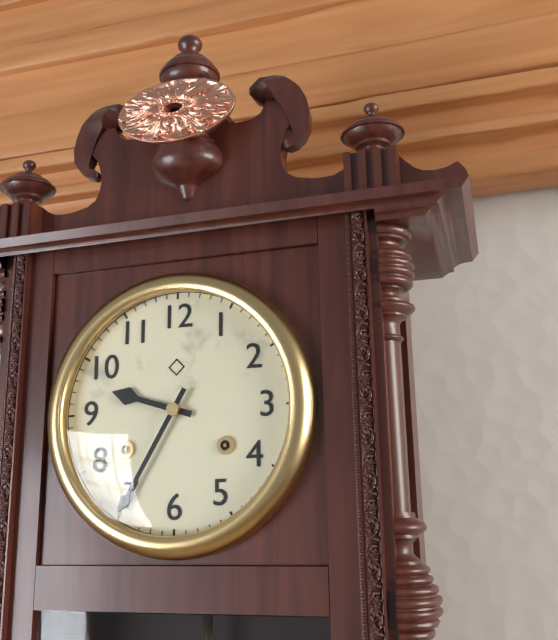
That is 9h35
